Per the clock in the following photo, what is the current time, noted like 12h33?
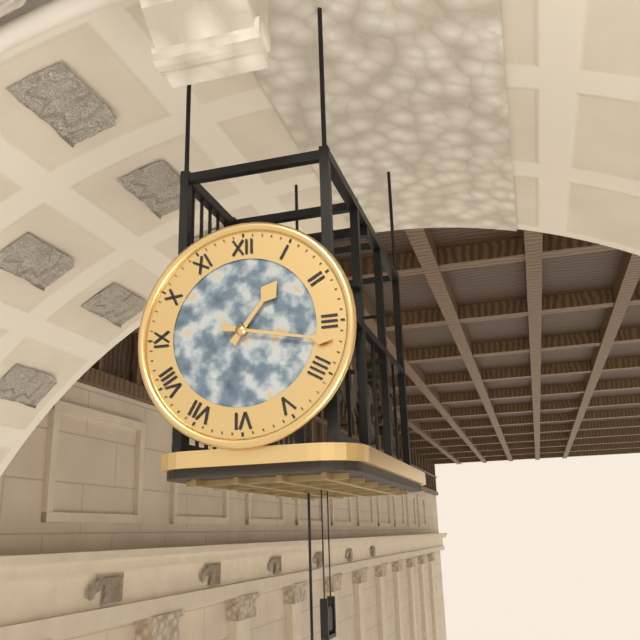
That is 1h17
